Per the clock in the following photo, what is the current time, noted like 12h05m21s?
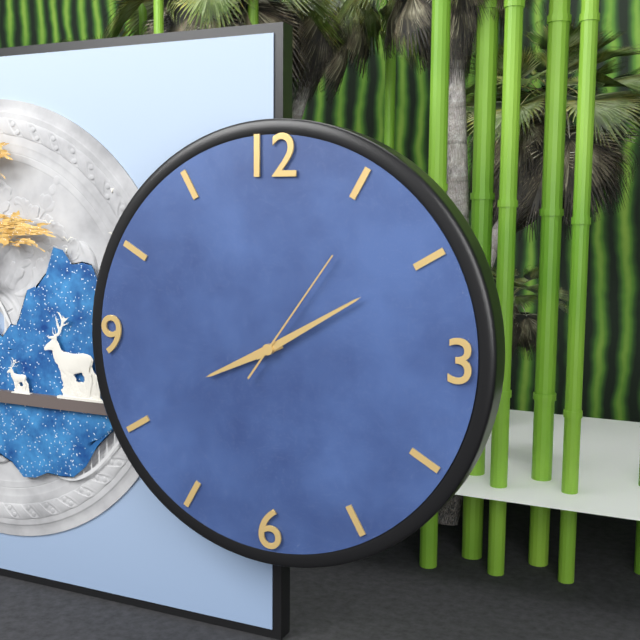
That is 8h10m06s
